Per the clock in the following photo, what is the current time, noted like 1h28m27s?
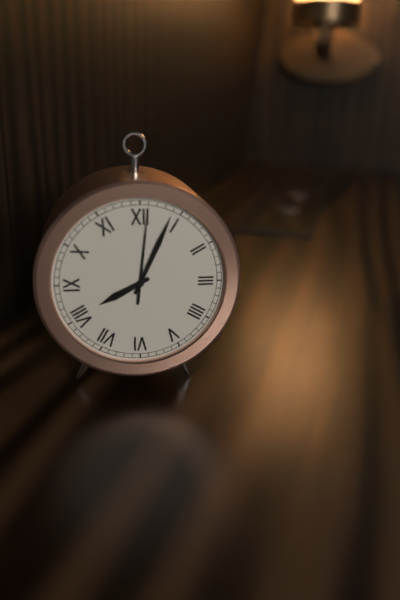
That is 8h04m01s
